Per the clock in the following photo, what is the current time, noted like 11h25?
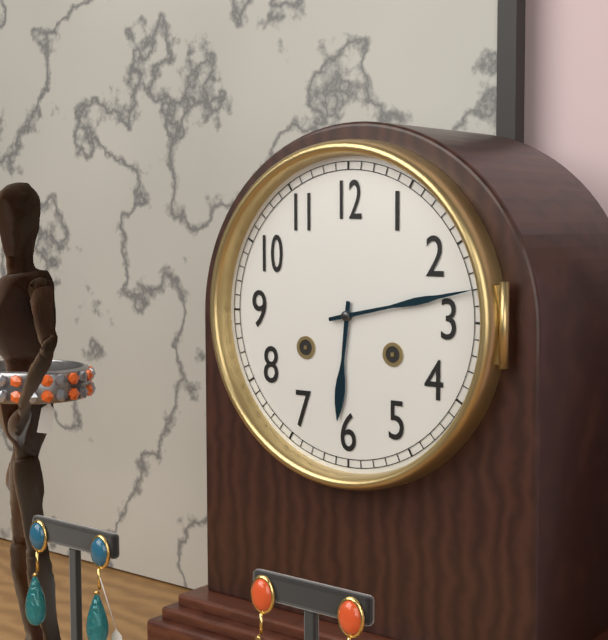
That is 6h13
